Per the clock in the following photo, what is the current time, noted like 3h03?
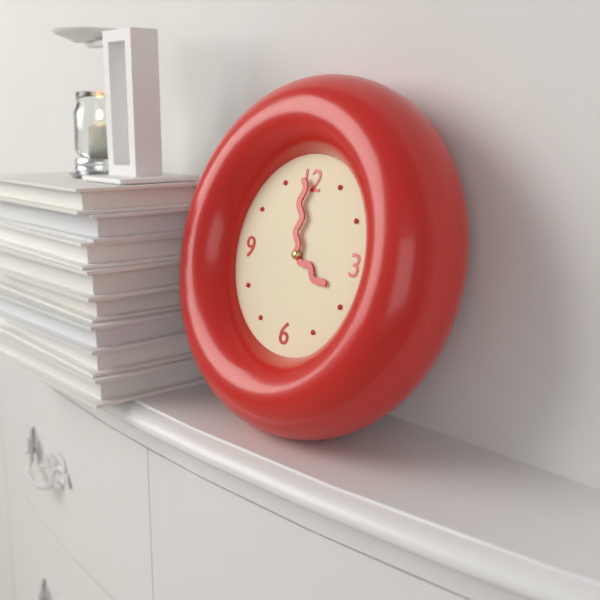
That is 3h59
